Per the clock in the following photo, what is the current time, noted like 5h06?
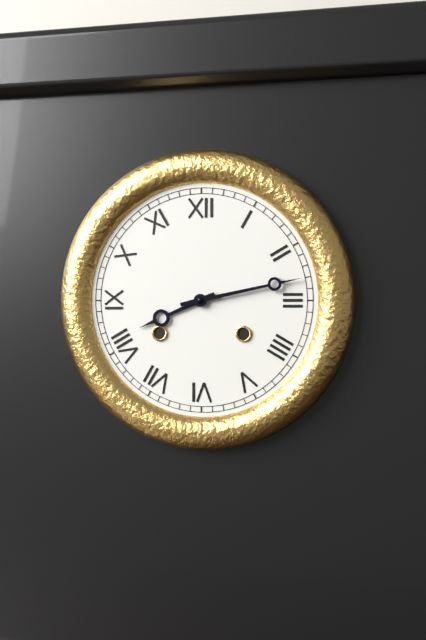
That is 8h13
